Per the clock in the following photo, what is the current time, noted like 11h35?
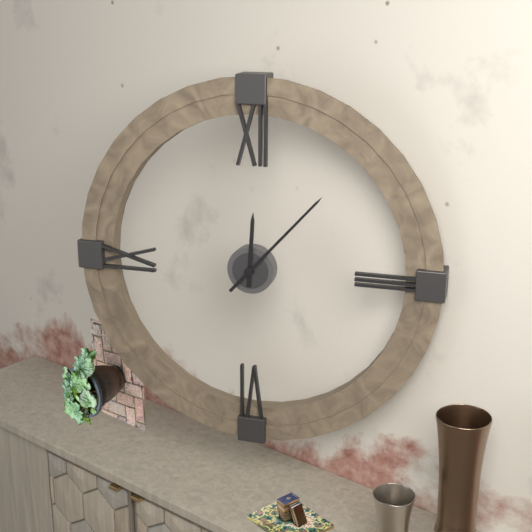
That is 12h07
